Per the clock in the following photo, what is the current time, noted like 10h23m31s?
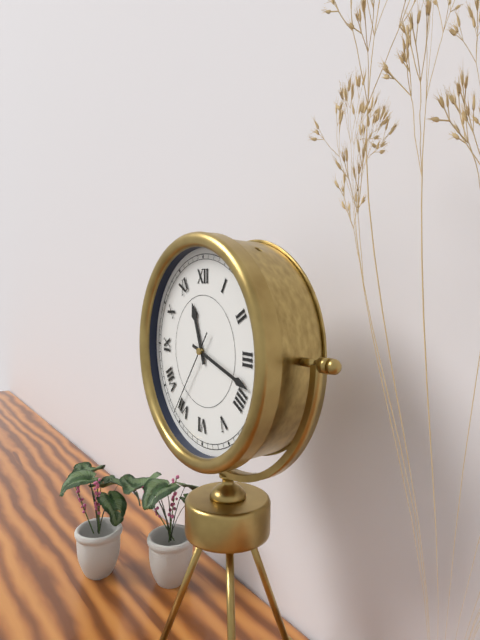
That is 11h18m36s
